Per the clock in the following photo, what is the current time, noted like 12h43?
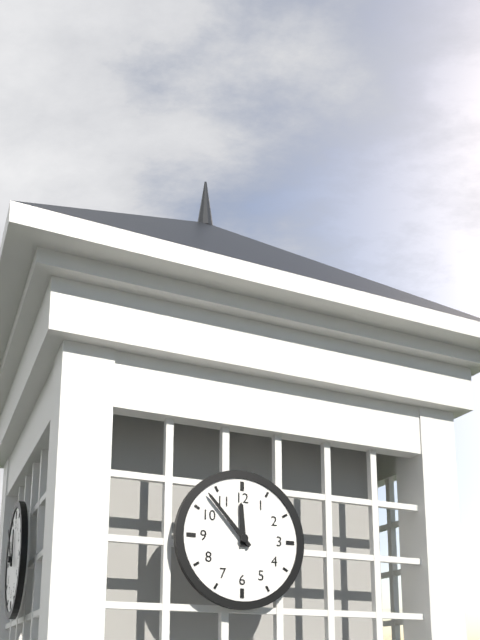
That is 11h53
